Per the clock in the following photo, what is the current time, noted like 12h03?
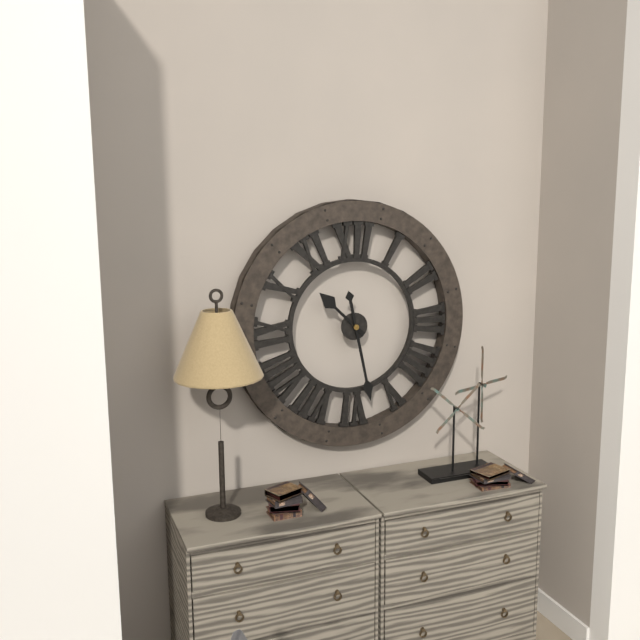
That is 10h28
